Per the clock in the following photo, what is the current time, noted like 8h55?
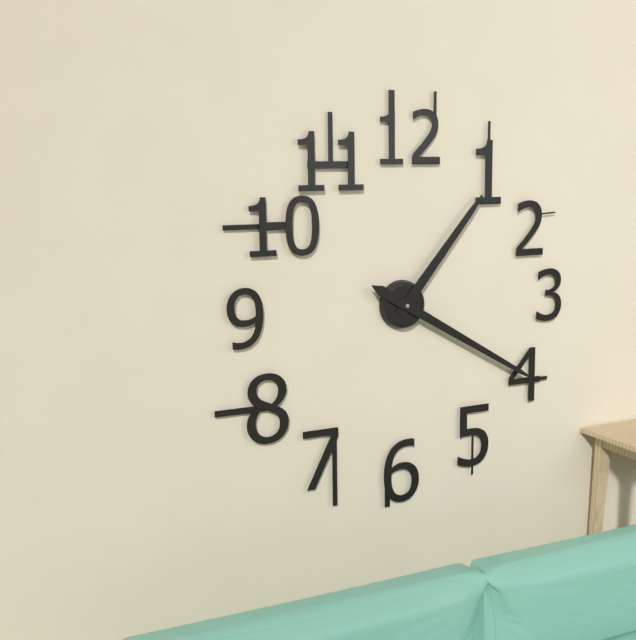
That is 1h20
